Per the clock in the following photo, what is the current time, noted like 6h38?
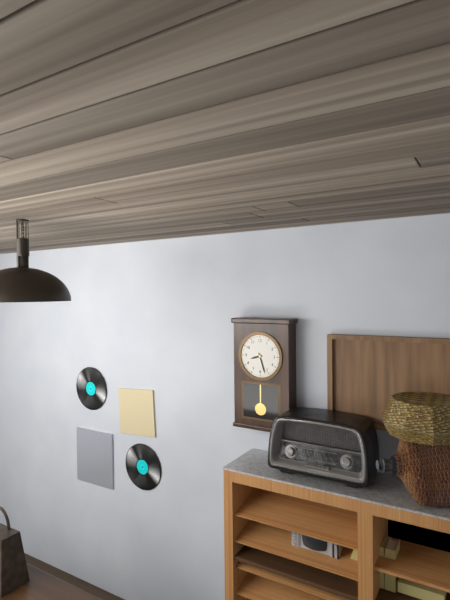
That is 8h27
